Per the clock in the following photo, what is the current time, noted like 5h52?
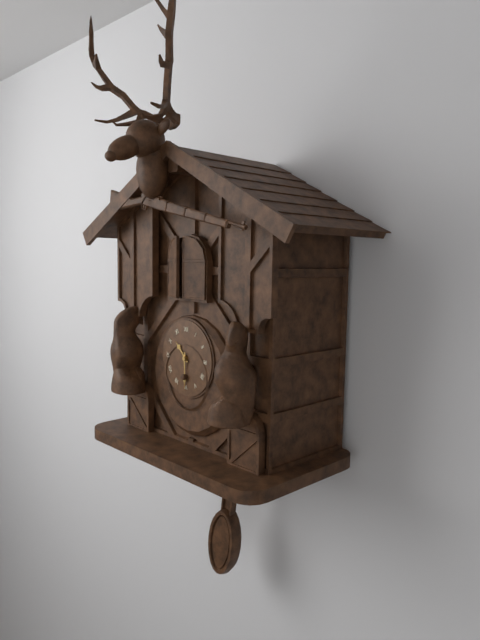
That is 10h30
